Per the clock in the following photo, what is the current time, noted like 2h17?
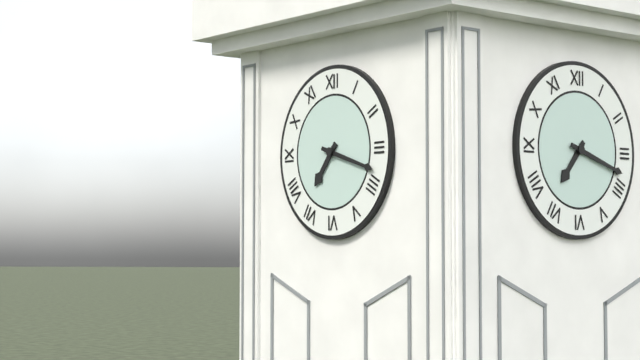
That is 7h18
